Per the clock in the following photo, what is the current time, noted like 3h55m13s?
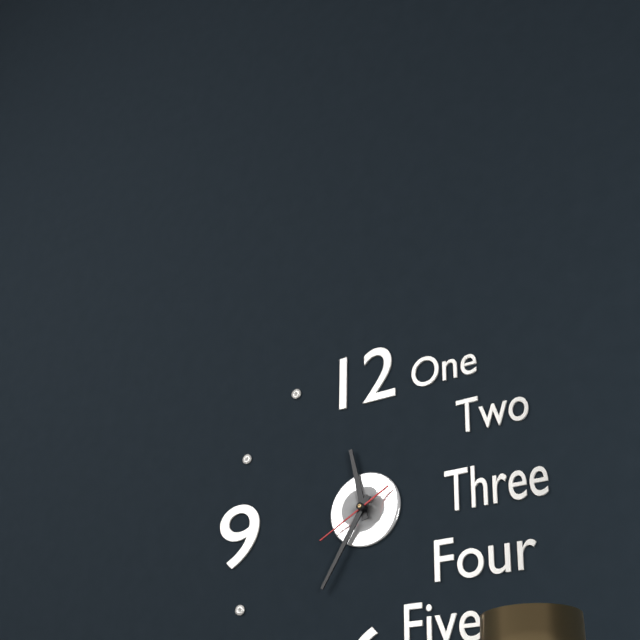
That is 11h35m40s
